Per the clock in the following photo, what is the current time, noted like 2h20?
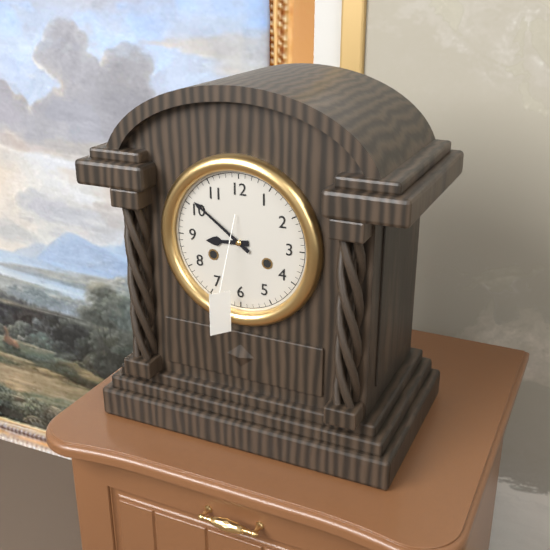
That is 8h51
